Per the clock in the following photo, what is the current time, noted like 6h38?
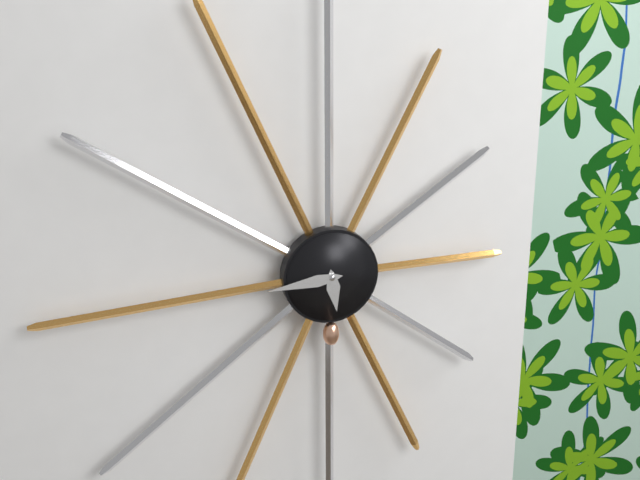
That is 5h44
